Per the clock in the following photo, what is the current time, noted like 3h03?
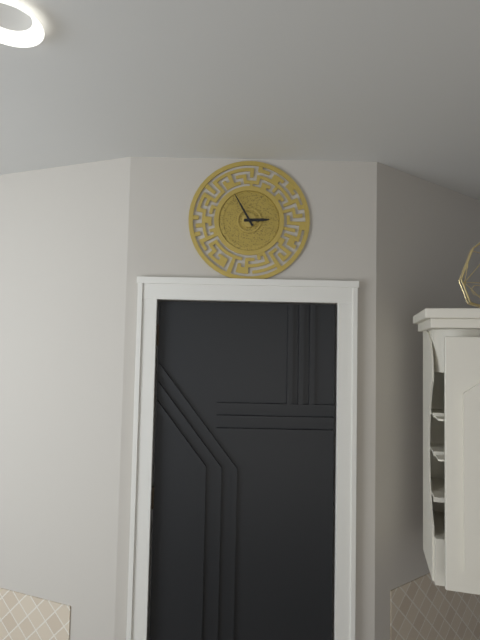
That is 2h55
